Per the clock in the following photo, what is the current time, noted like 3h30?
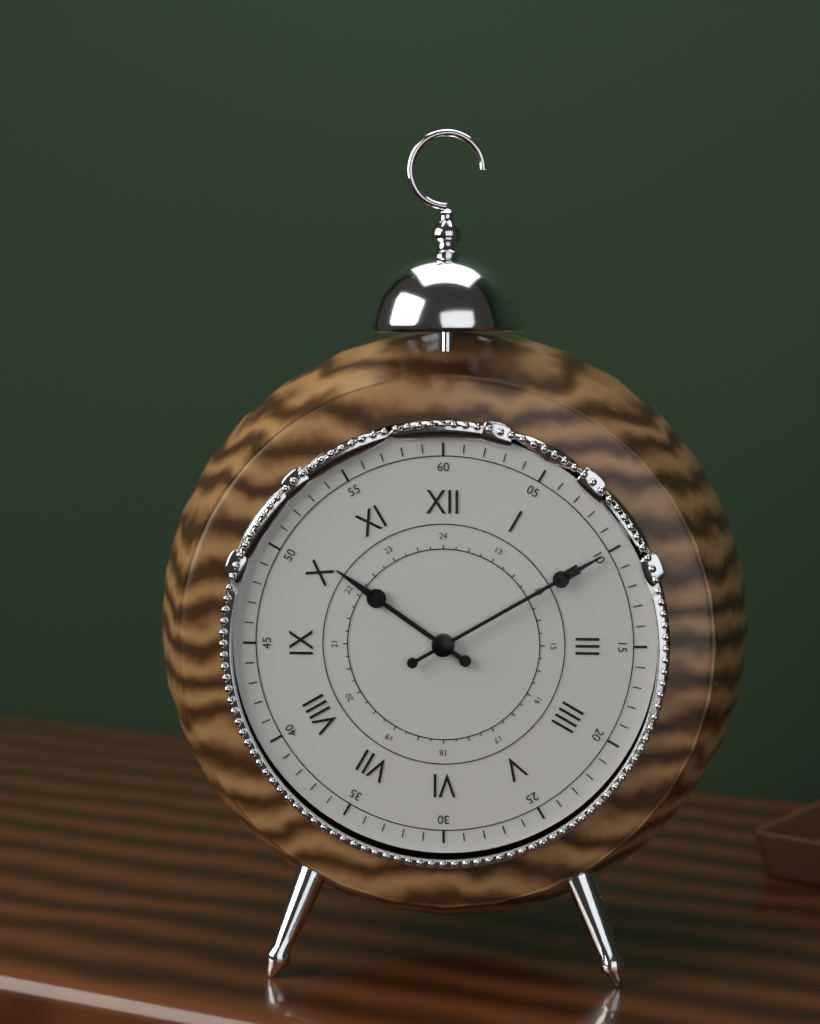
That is 10h10
